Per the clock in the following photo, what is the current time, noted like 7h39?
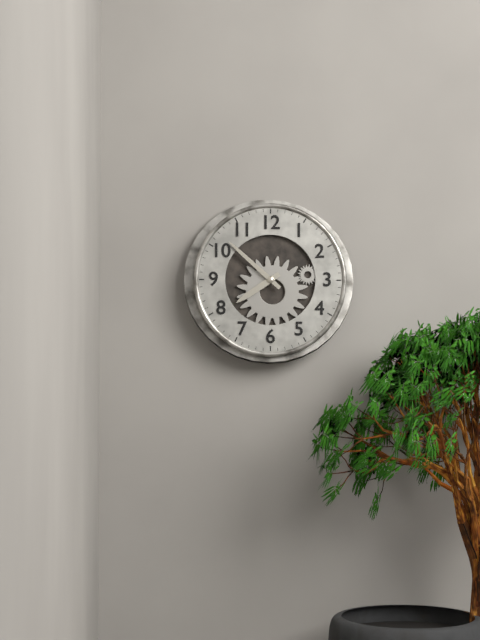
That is 7h52
